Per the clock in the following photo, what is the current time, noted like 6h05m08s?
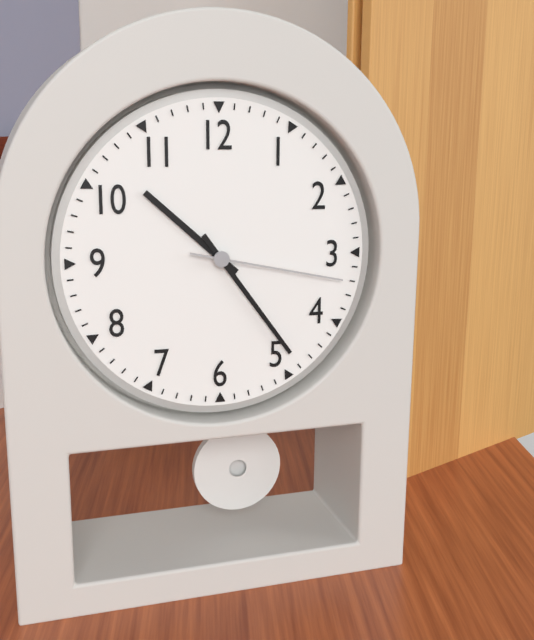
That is 10h24m17s
